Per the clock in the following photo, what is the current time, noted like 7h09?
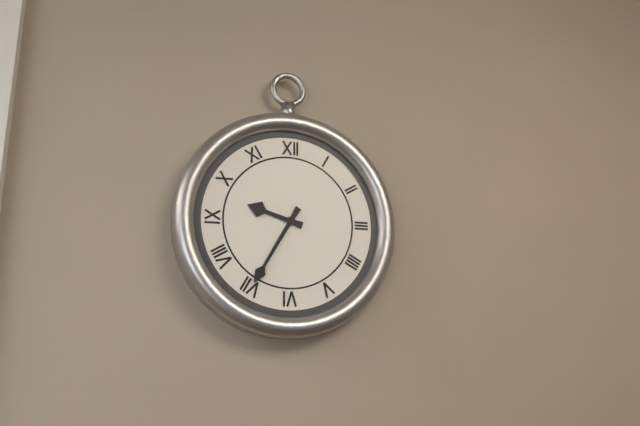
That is 9h35
